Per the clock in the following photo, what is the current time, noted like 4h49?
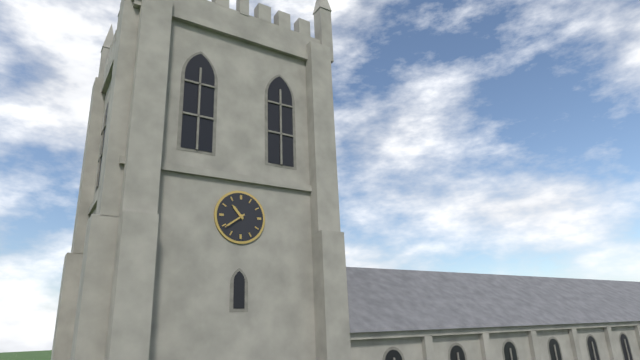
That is 10h39
